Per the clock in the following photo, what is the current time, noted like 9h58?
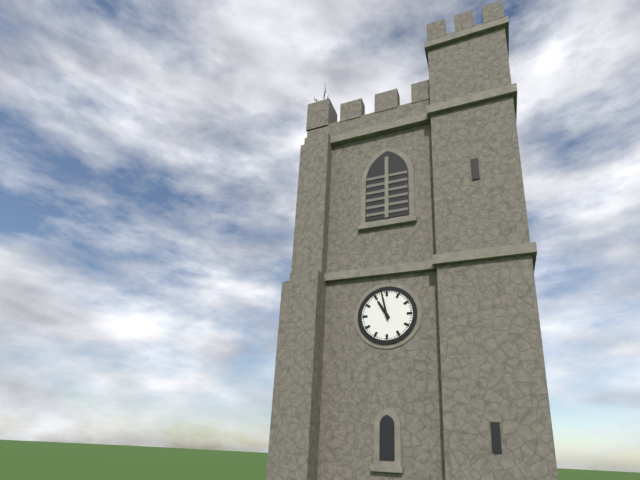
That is 10h58
